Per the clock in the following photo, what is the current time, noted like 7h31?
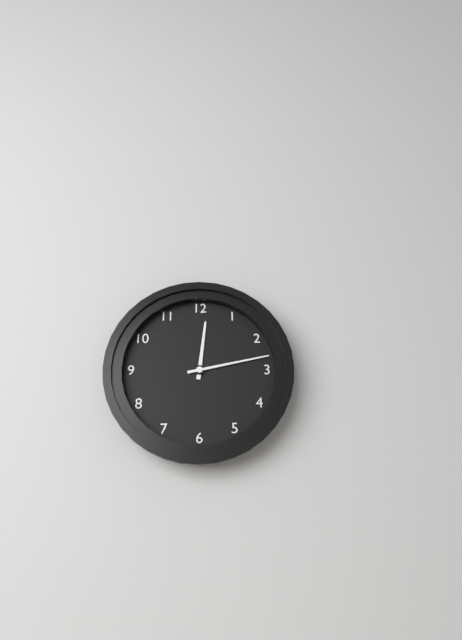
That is 12h13
